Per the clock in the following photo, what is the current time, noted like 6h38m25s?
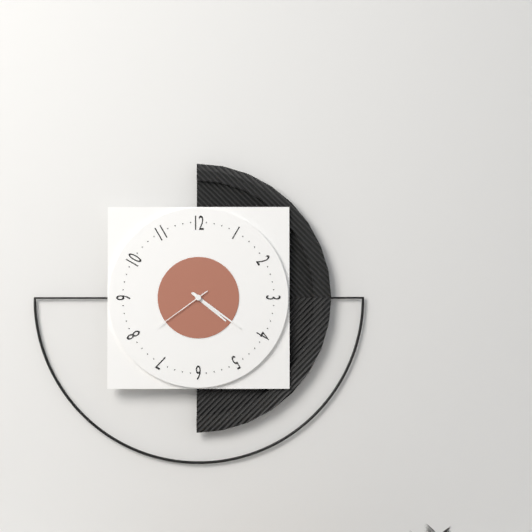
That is 4h21m39s
